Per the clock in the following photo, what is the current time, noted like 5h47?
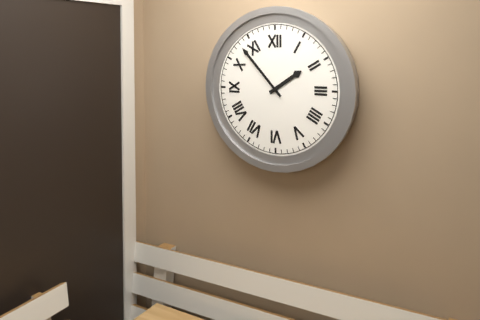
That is 1h53
